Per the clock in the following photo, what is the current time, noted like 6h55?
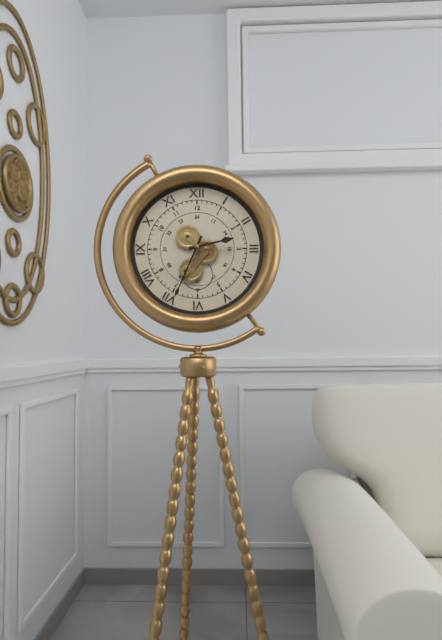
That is 2h34
